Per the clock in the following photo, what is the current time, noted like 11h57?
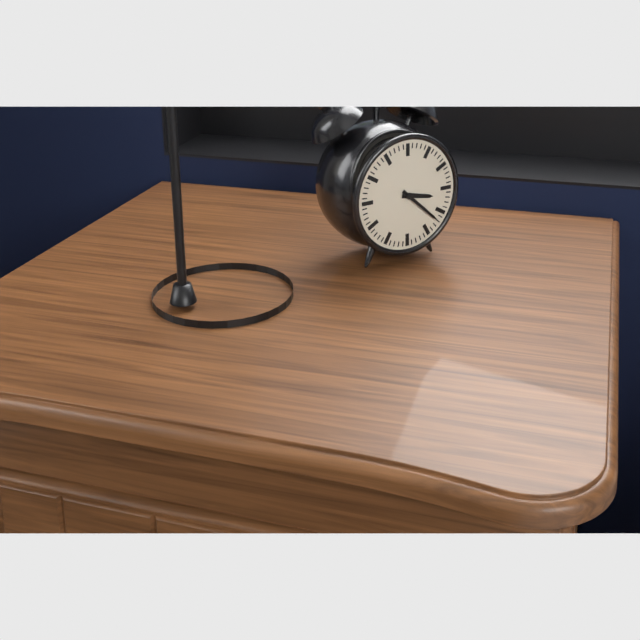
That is 3h22
